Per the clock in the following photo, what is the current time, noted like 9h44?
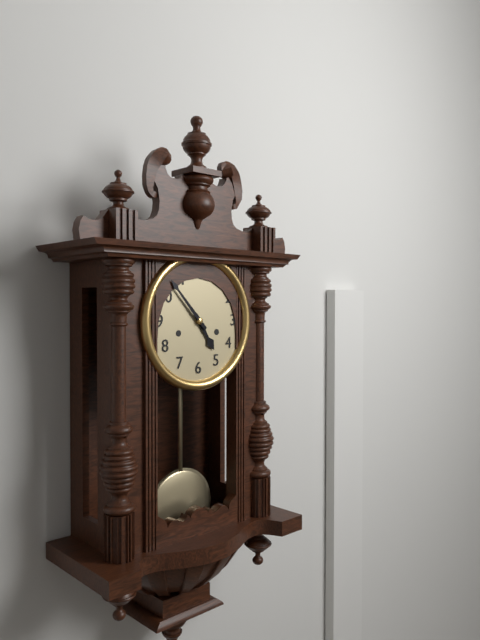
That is 4h53
